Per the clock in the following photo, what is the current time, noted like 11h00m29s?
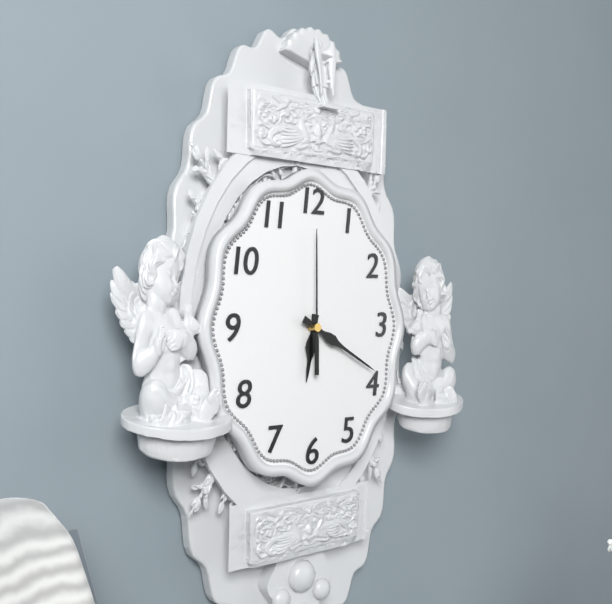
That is 6h20m00s
